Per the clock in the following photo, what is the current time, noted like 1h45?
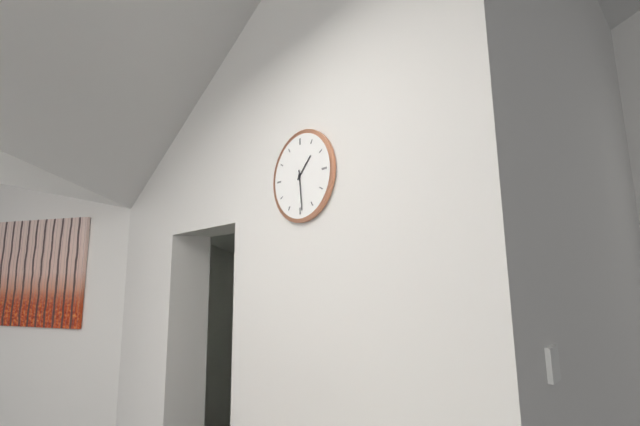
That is 1h29
